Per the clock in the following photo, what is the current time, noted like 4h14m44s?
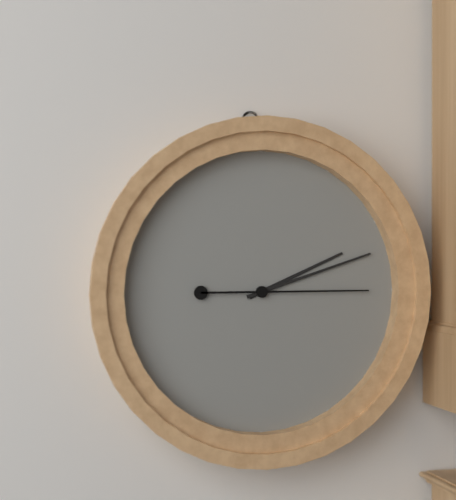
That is 2h12m15s
